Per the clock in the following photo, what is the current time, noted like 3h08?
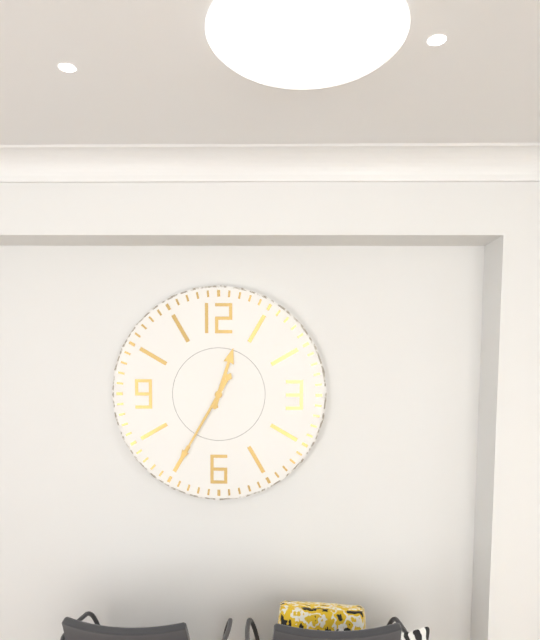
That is 12h35
